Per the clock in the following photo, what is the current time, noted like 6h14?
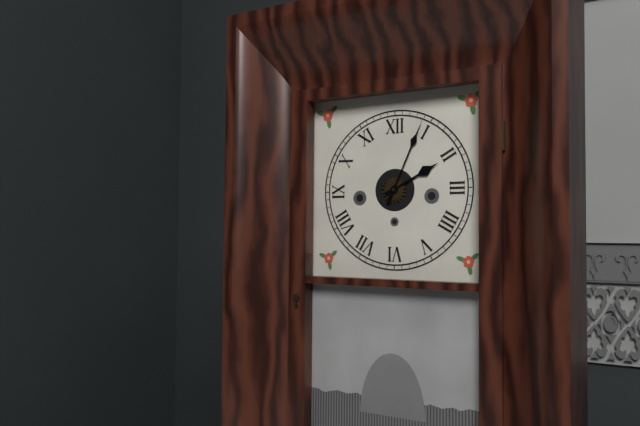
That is 2h04
